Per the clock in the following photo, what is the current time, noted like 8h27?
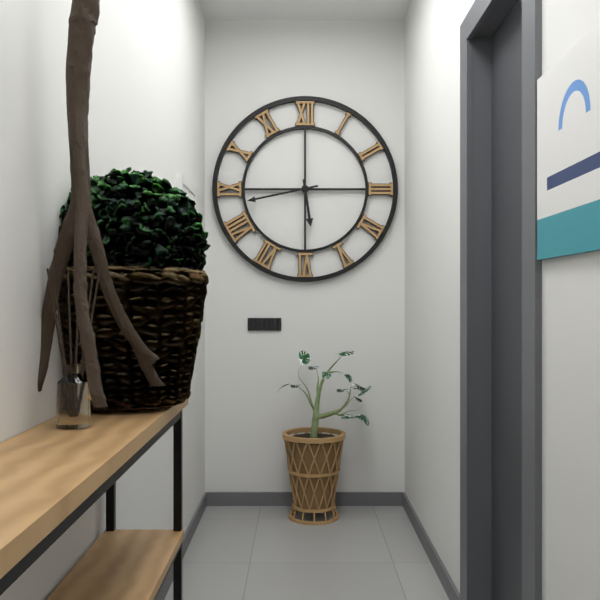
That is 5h43
